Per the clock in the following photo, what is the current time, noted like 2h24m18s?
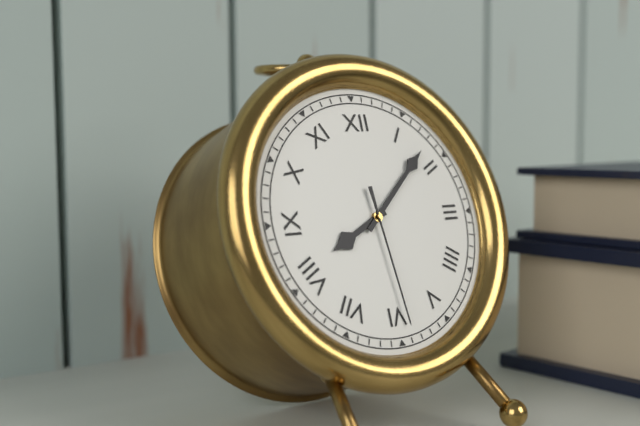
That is 8h08m29s
